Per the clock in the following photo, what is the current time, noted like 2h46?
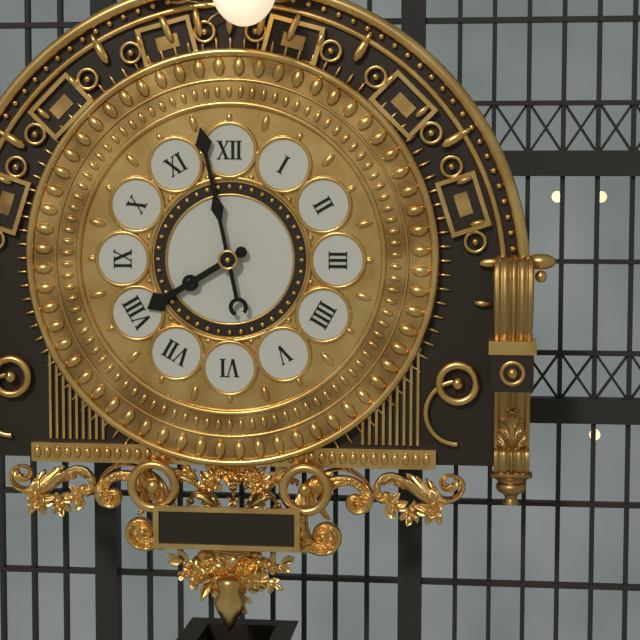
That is 7h58
